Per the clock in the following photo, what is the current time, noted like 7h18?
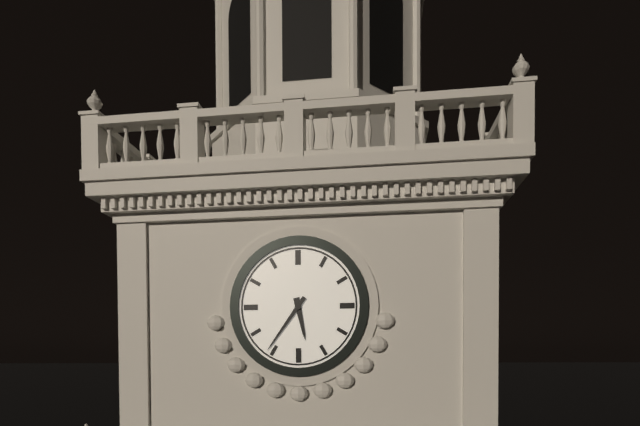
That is 5h36
